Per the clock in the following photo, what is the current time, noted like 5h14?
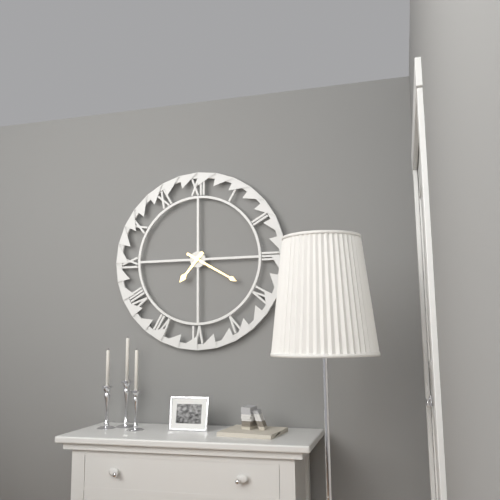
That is 7h20
